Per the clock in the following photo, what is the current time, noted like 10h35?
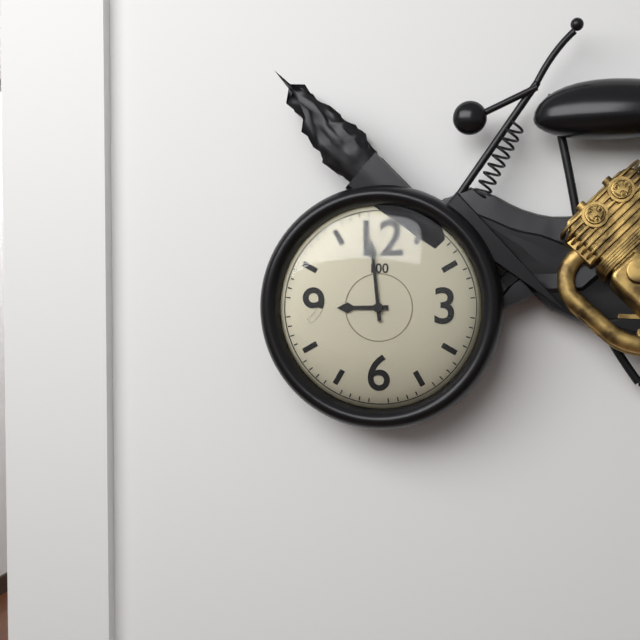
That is 8h59
